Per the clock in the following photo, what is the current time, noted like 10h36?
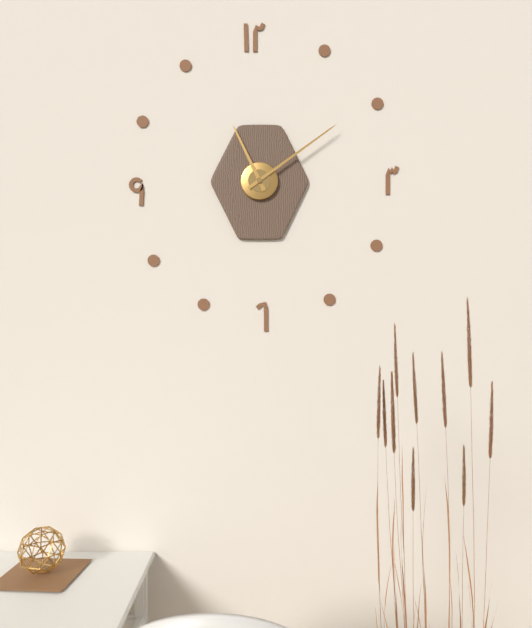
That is 11h09
